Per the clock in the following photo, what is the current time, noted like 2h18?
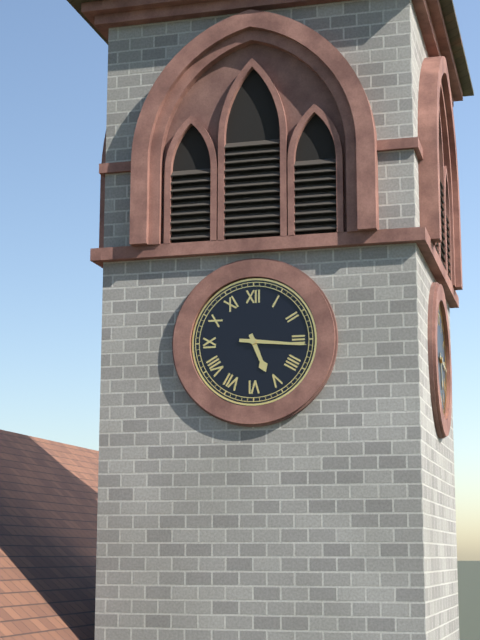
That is 5h16
